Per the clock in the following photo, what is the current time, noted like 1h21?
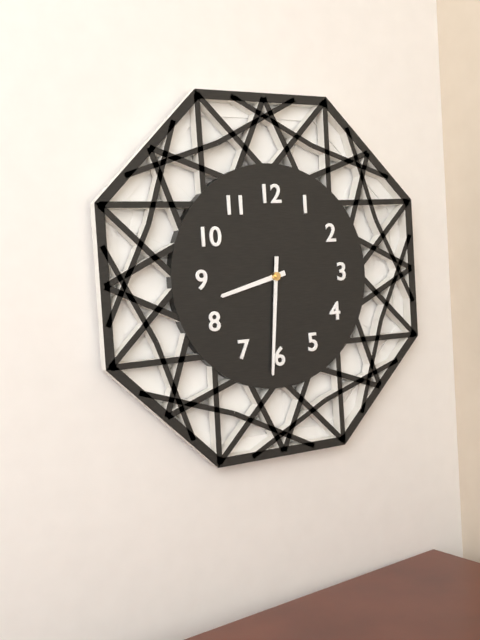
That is 8h31
